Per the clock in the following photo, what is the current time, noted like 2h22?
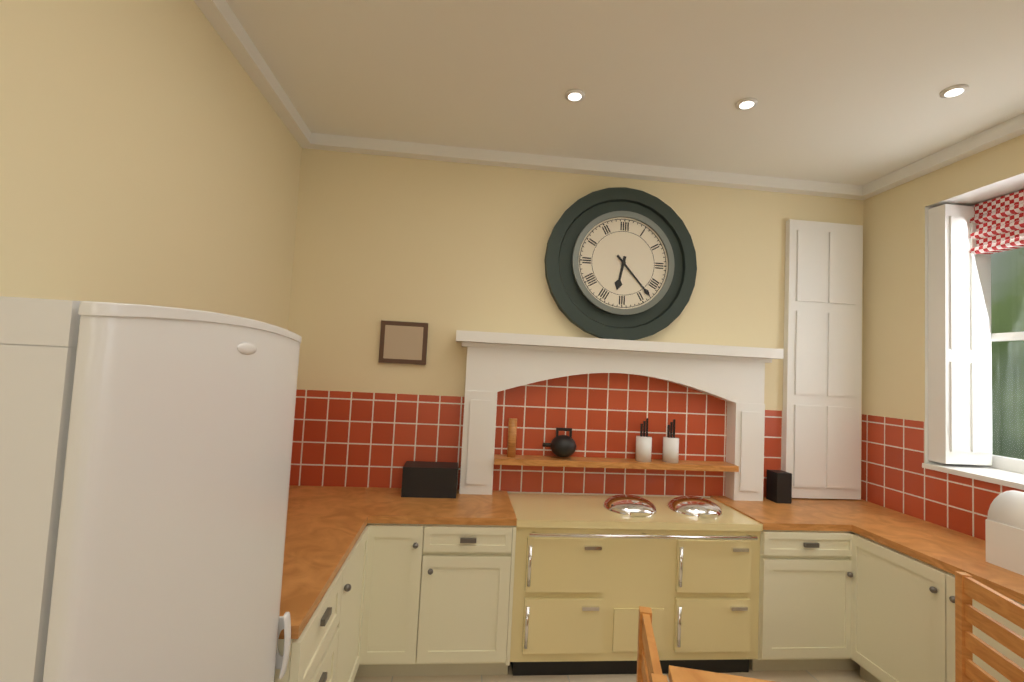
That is 6h23
